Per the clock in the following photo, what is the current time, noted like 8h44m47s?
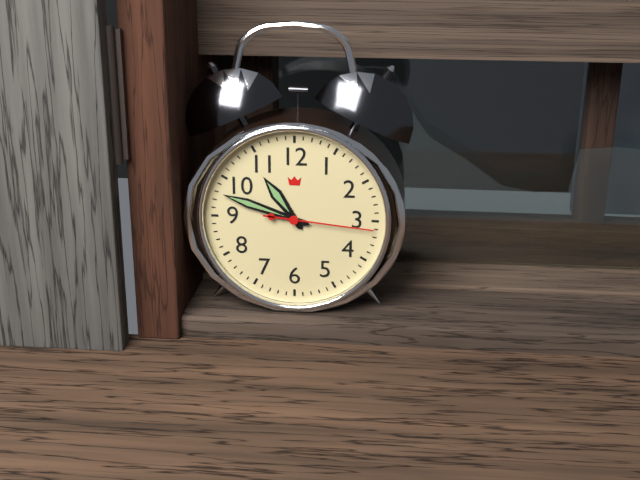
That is 10h48m16s
